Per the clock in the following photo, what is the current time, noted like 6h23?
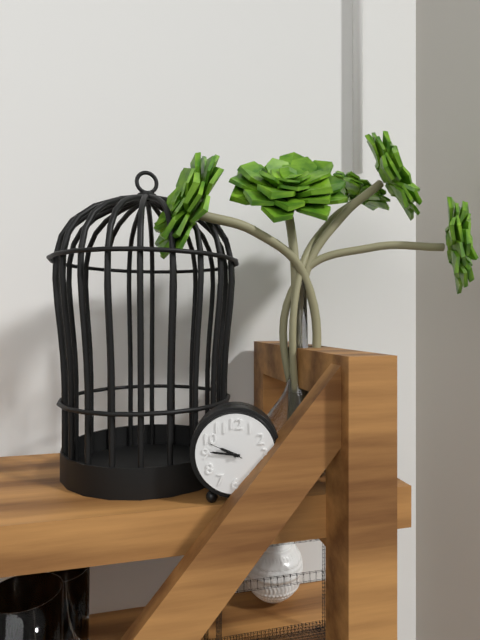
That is 9h46
